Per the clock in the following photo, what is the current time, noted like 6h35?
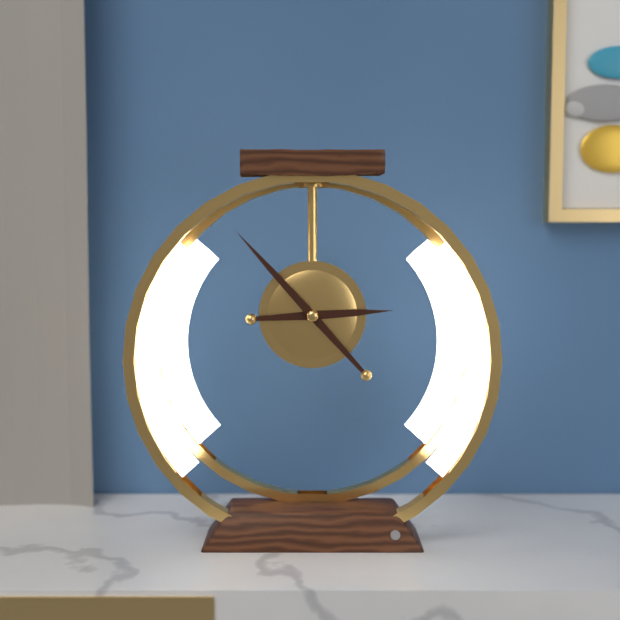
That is 2h53
